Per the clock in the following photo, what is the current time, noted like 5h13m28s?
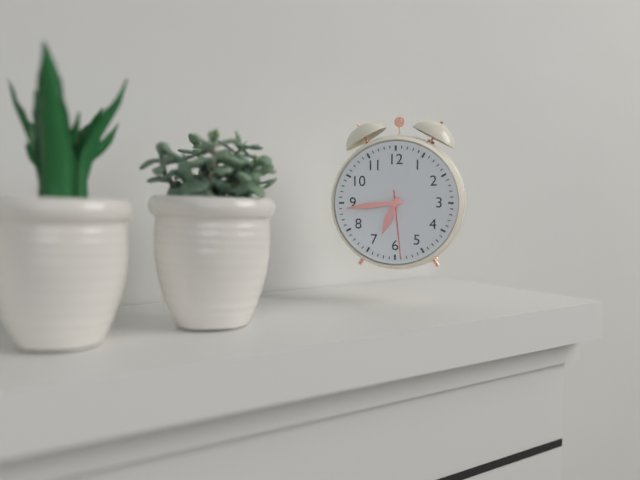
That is 6h44m29s
